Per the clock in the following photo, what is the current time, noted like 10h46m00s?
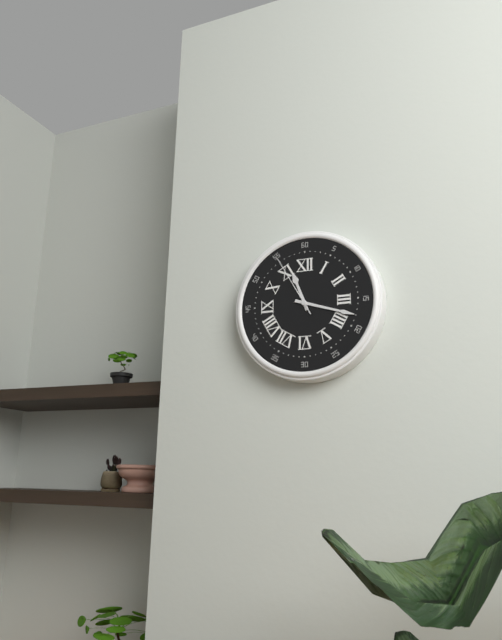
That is 11h18m55s
